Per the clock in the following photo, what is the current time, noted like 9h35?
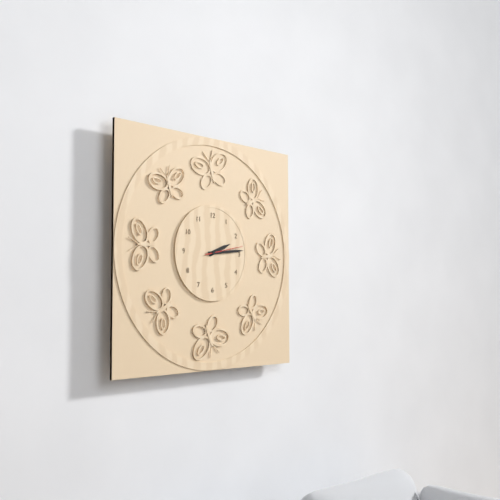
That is 2h14
